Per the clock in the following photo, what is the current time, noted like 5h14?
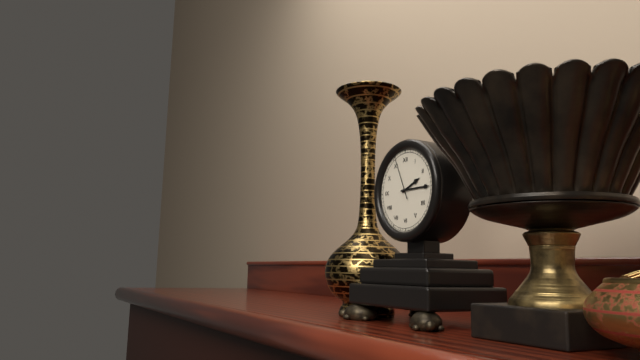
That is 2h15
